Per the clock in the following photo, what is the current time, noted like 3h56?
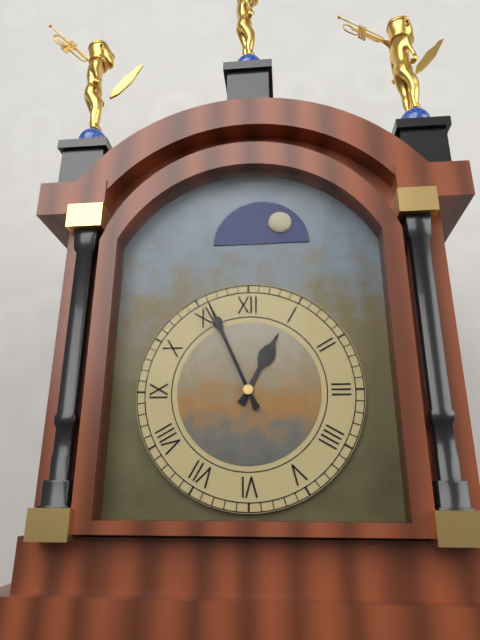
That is 12h56
